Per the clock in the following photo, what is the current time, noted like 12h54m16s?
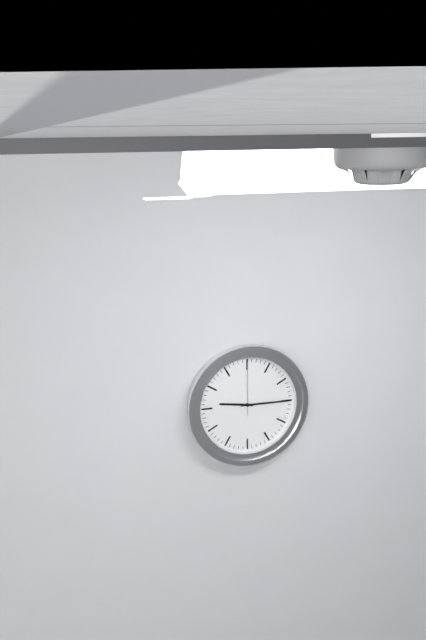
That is 9h15m00s
